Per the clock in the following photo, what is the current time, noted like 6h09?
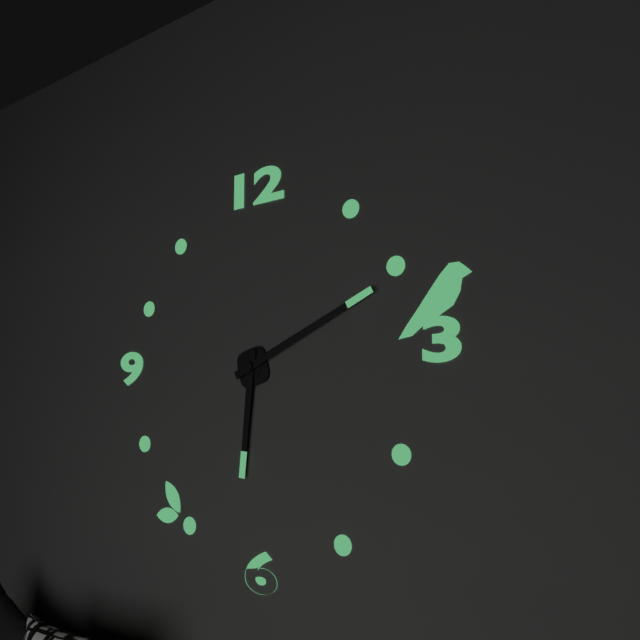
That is 6h11
